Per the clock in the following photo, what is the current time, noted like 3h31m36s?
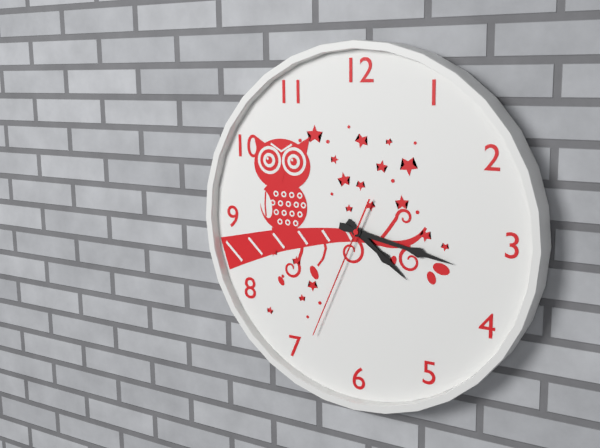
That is 4h17m34s
